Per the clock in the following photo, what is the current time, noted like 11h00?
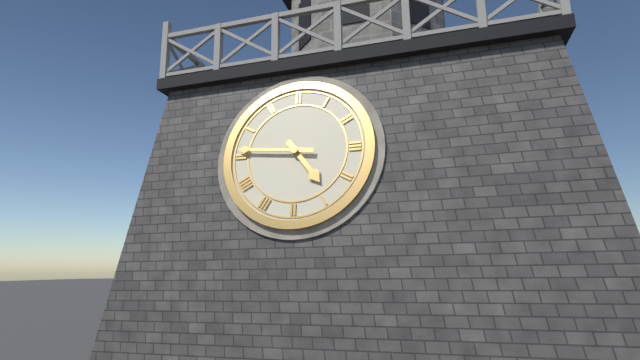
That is 4h46
